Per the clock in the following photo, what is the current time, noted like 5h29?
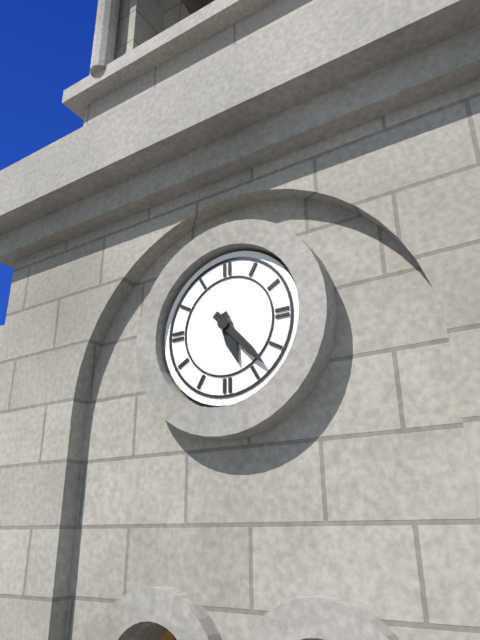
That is 5h23
